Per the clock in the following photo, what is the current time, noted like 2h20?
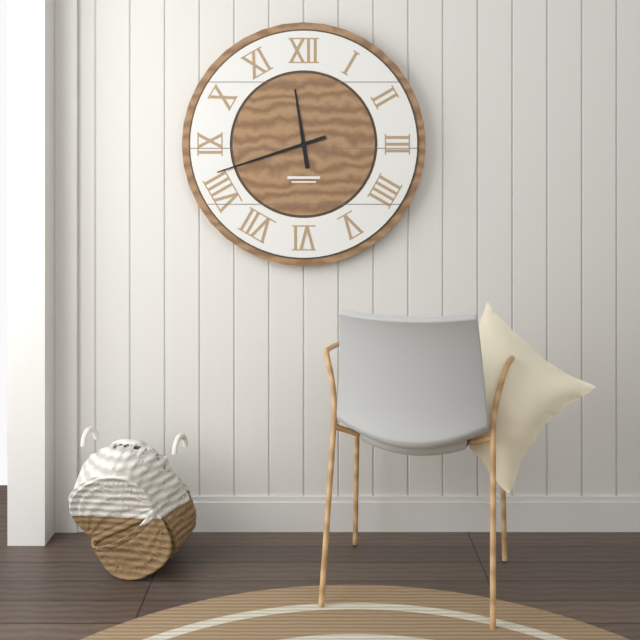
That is 11h42
